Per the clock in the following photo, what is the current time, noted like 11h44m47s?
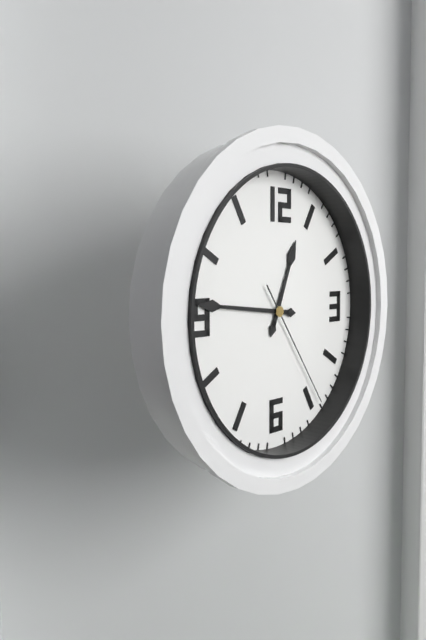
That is 12h46m24s
